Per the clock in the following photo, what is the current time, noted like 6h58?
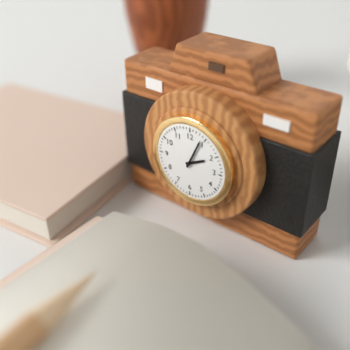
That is 2h04
